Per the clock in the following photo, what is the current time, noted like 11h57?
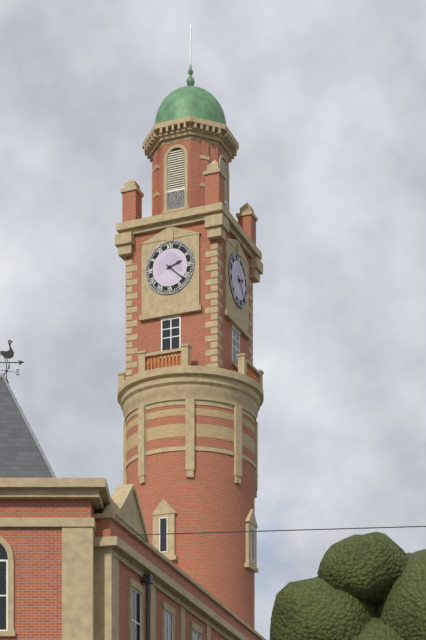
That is 2h22
